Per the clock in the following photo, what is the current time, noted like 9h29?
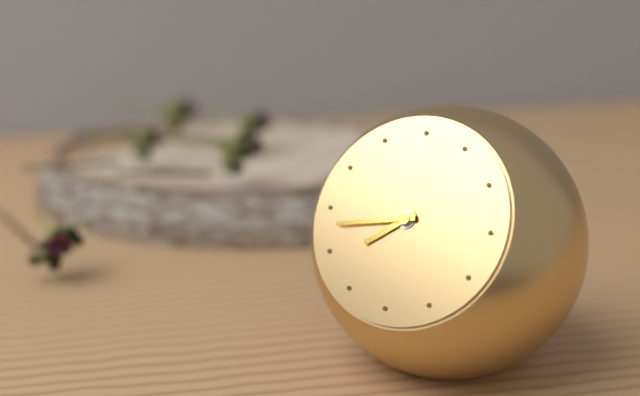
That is 7h43
